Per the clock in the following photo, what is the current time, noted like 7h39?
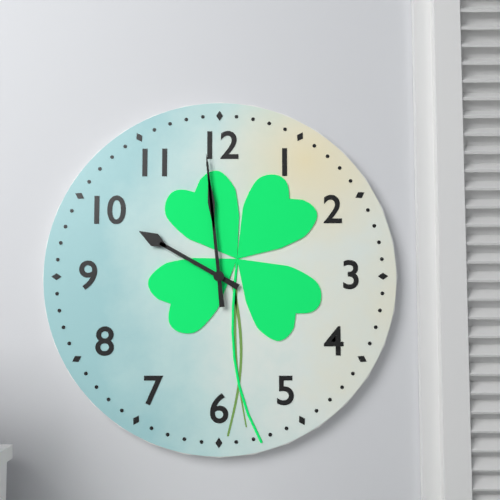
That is 9h59
